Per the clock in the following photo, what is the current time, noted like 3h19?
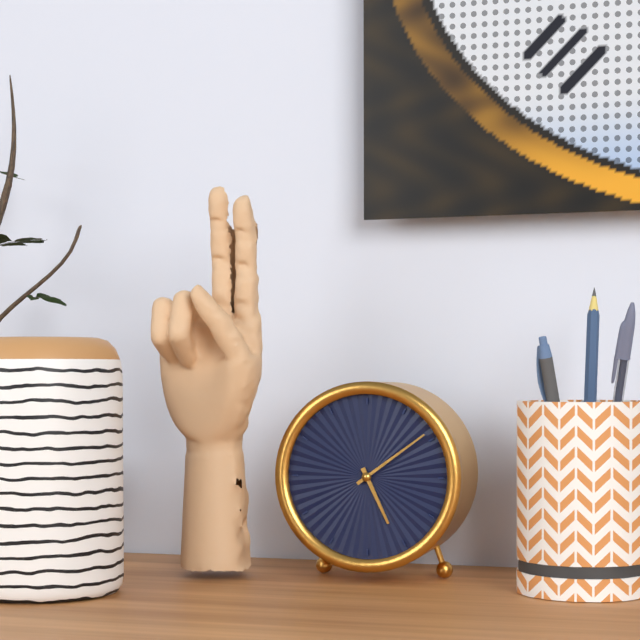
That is 5h09
